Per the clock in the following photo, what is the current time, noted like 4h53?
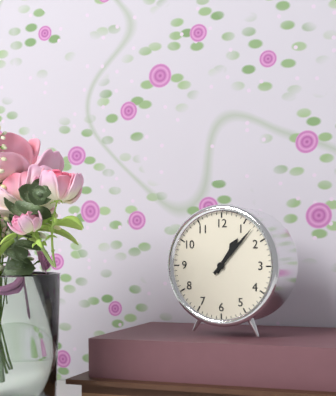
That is 1h07
